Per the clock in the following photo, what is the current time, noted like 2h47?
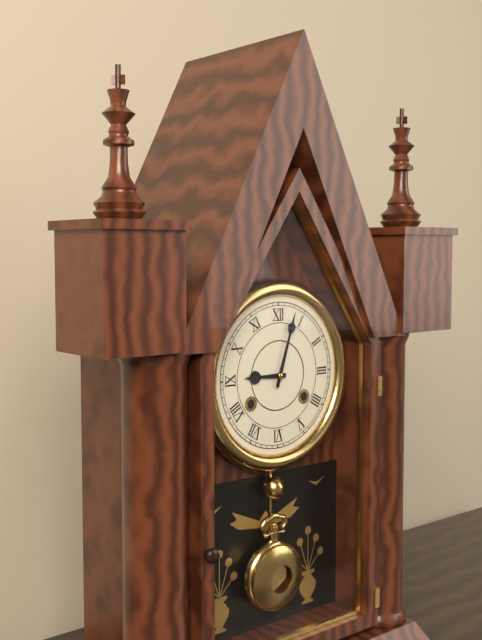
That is 9h03
